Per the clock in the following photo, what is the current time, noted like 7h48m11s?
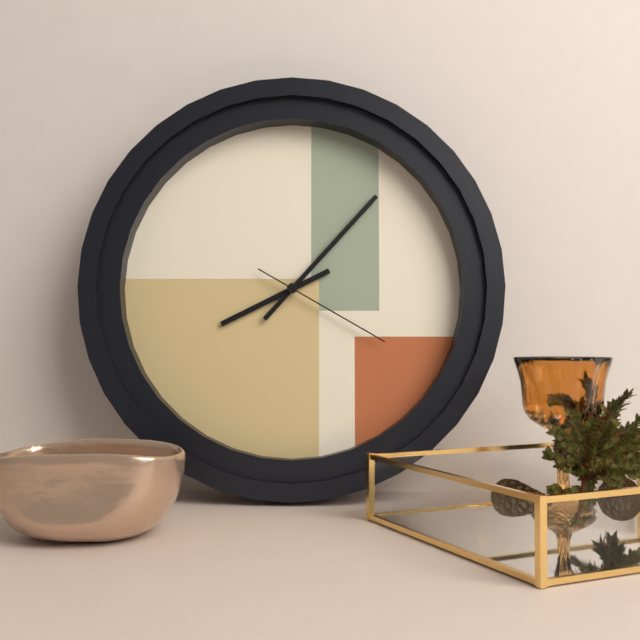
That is 8h07m20s
